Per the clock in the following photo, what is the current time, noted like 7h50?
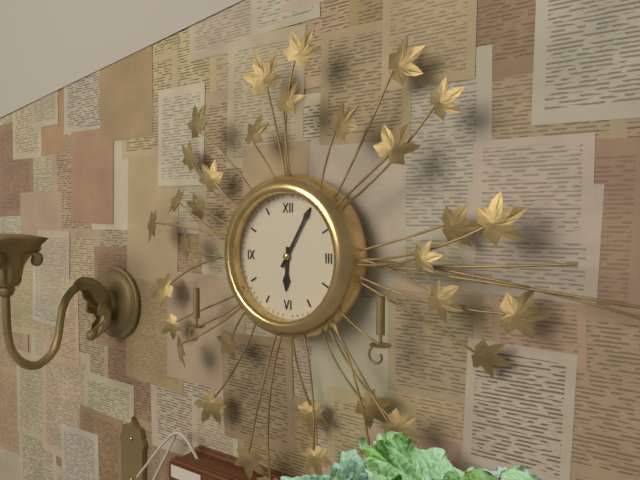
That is 6h05
